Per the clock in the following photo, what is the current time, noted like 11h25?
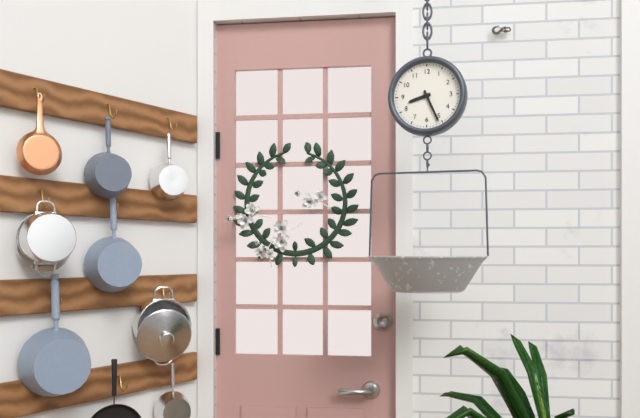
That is 8h26
